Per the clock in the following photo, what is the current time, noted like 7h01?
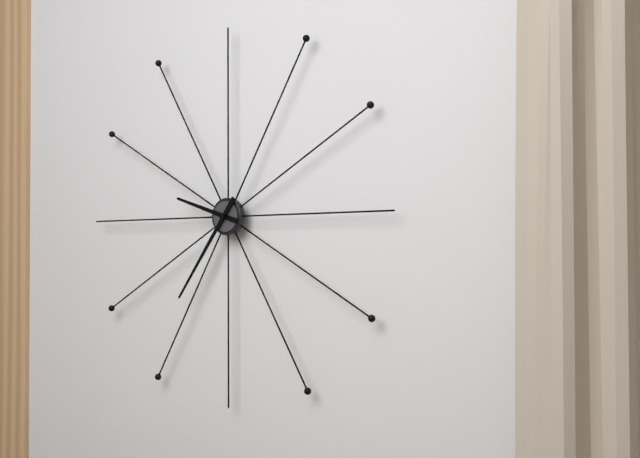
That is 9h36
